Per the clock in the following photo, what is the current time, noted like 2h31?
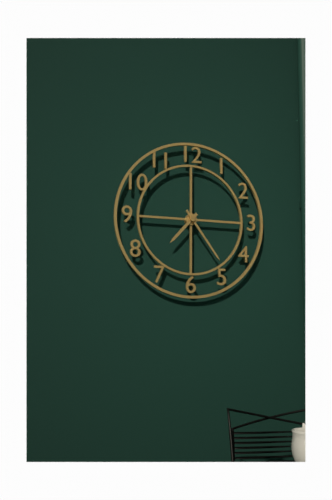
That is 7h24
